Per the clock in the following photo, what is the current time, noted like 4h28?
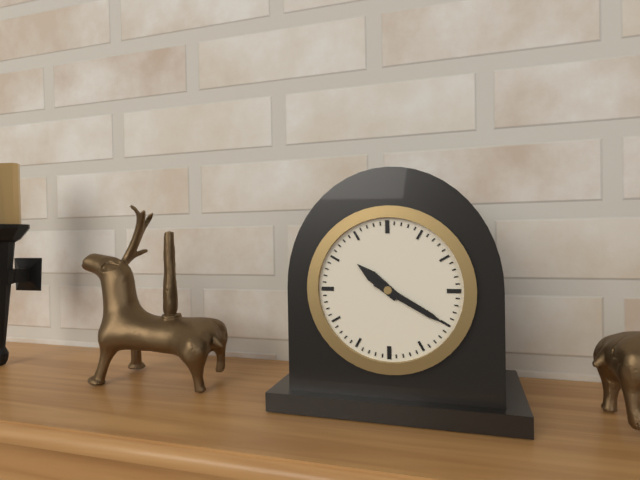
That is 10h20
